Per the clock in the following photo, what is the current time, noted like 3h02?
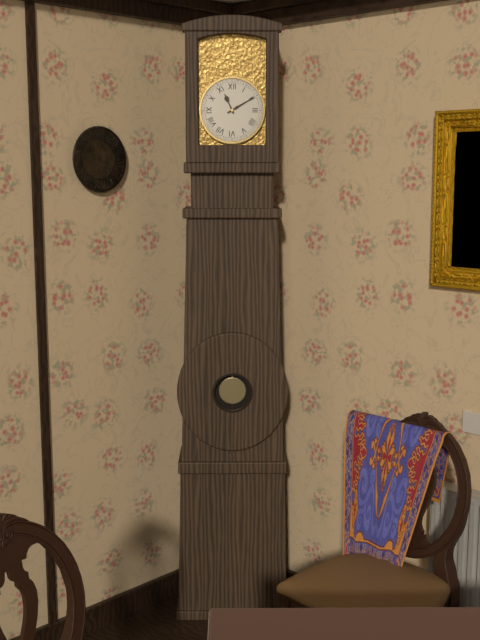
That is 11h10
